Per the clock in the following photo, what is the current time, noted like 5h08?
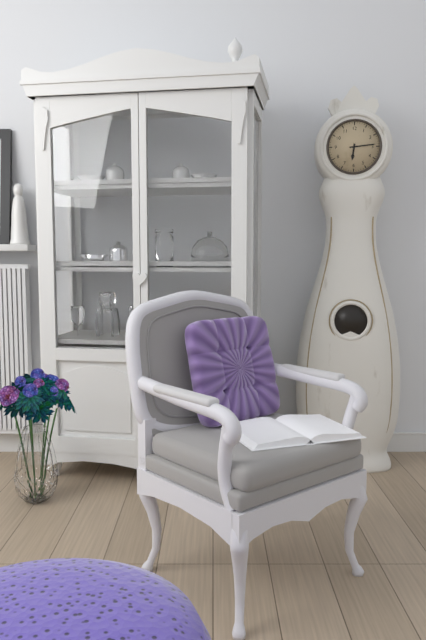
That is 6h14
